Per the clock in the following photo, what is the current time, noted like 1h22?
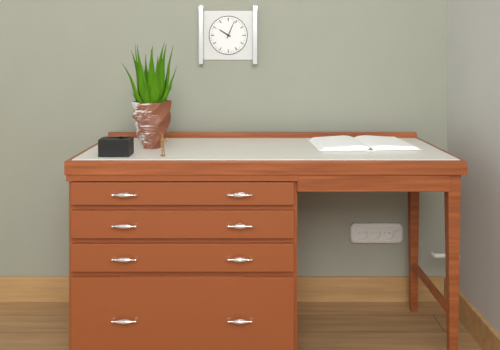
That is 10h04
